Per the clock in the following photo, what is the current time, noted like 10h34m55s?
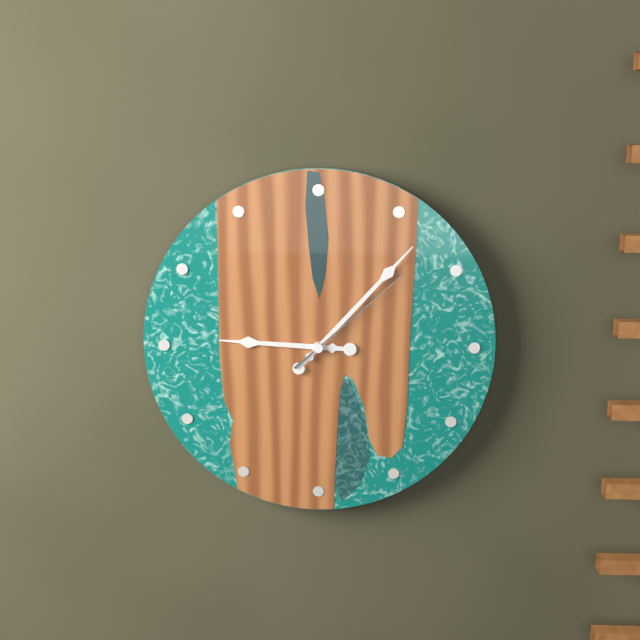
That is 9h07m08s
